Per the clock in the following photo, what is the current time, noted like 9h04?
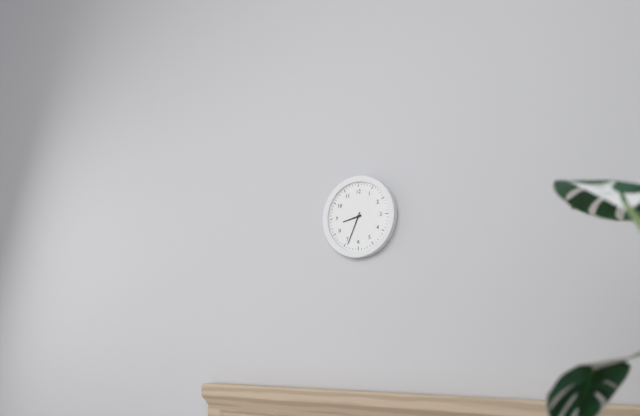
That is 8h34
